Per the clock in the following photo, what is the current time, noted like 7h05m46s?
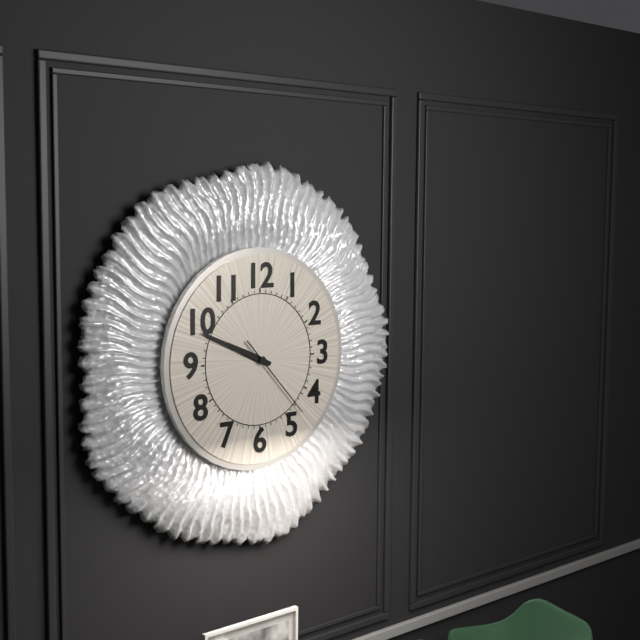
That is 9h49m23s
